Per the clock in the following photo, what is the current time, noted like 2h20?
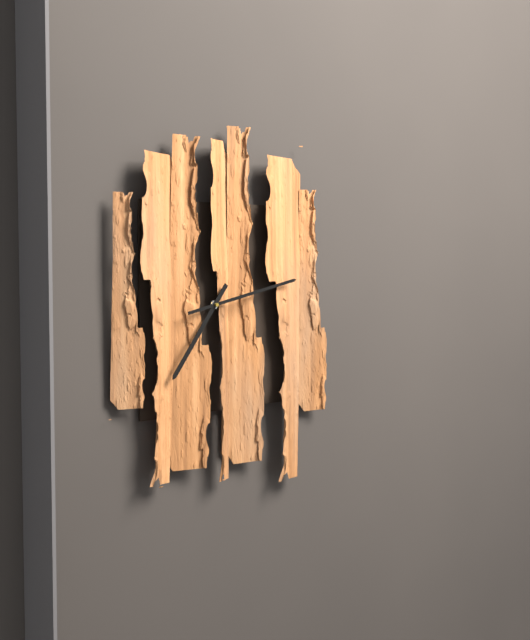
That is 7h13
